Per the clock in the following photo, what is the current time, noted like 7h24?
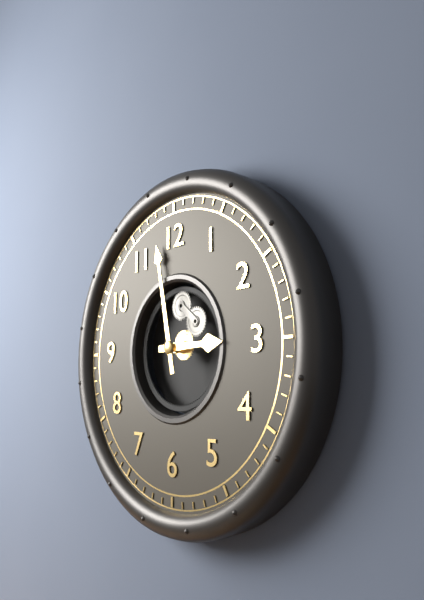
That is 2h58
